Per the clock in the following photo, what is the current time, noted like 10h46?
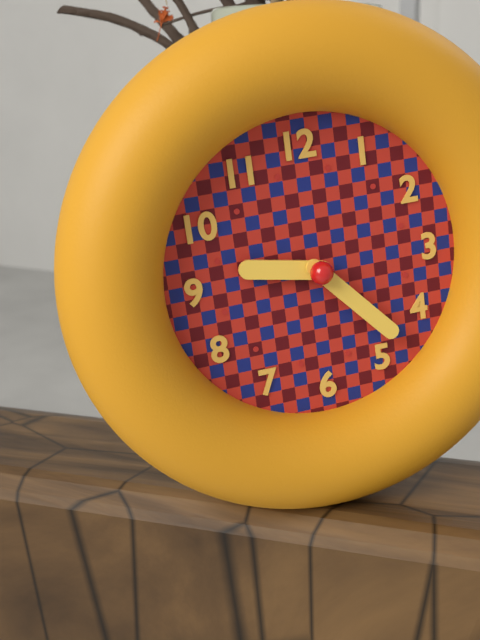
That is 9h23
